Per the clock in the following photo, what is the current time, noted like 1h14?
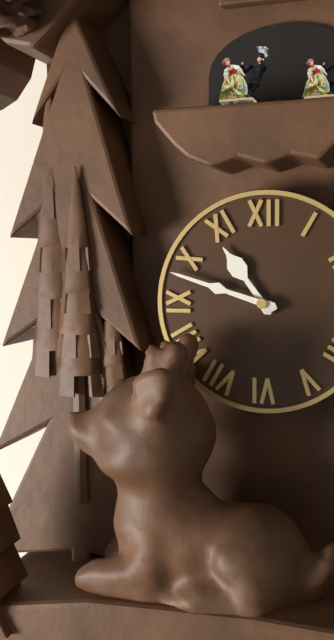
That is 10h48
